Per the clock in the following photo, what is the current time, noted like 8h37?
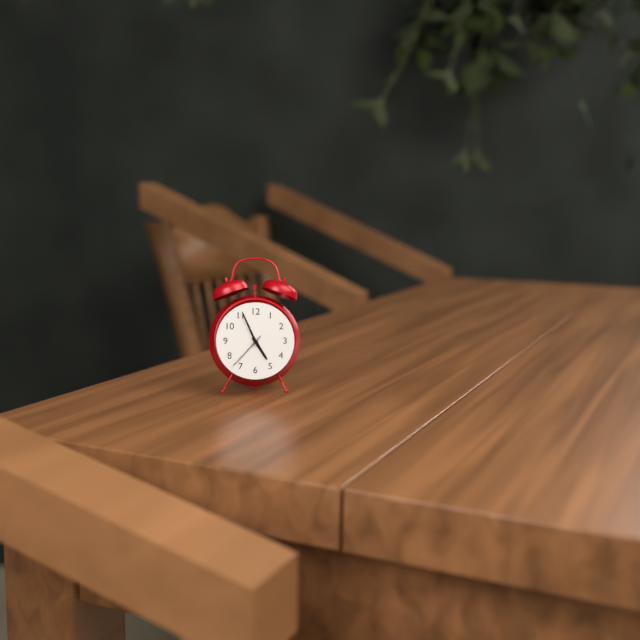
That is 4h56
